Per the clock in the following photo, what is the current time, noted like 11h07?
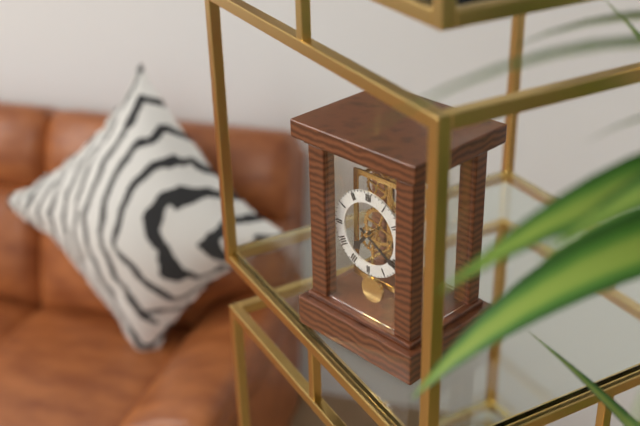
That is 7h20
